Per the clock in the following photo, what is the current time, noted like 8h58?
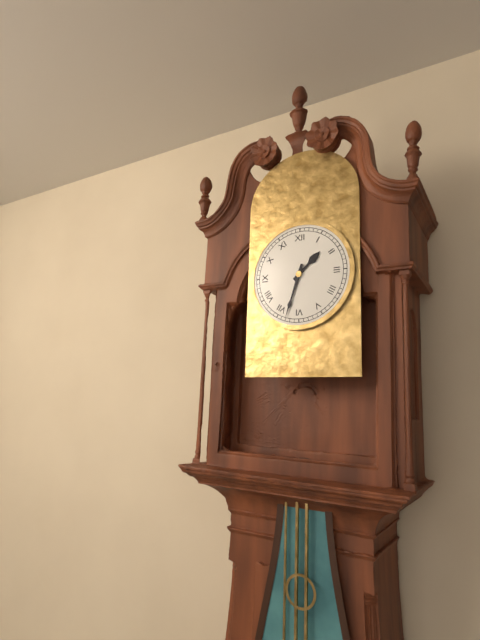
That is 1h33
